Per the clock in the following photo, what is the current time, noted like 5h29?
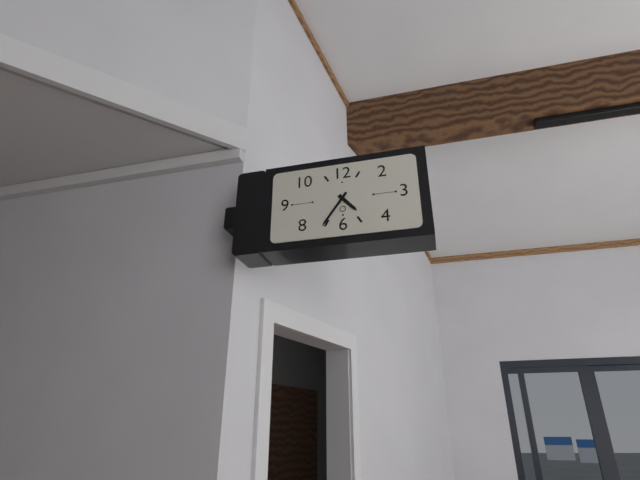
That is 4h36
